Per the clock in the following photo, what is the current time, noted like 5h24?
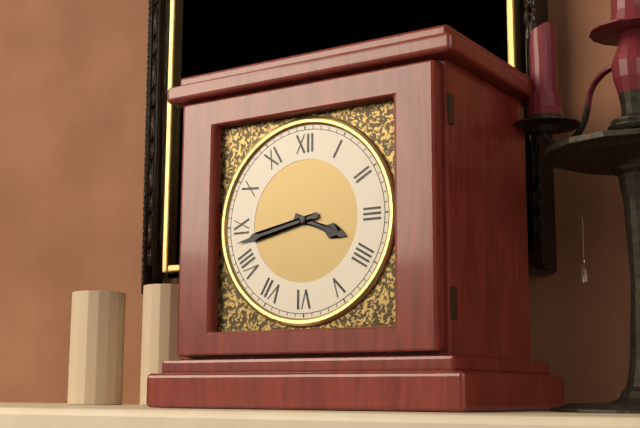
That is 3h43
